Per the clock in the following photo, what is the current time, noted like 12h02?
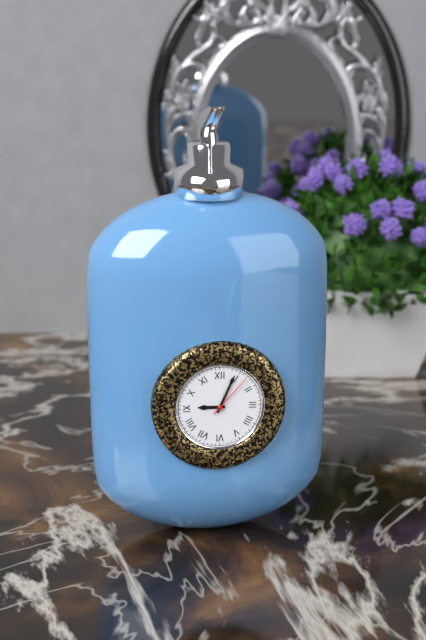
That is 9h04
